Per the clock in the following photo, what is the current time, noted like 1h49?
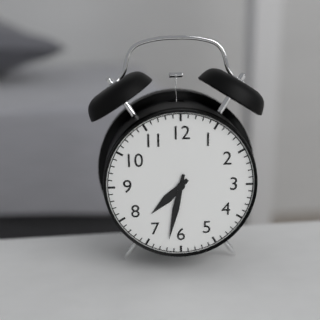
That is 7h32
